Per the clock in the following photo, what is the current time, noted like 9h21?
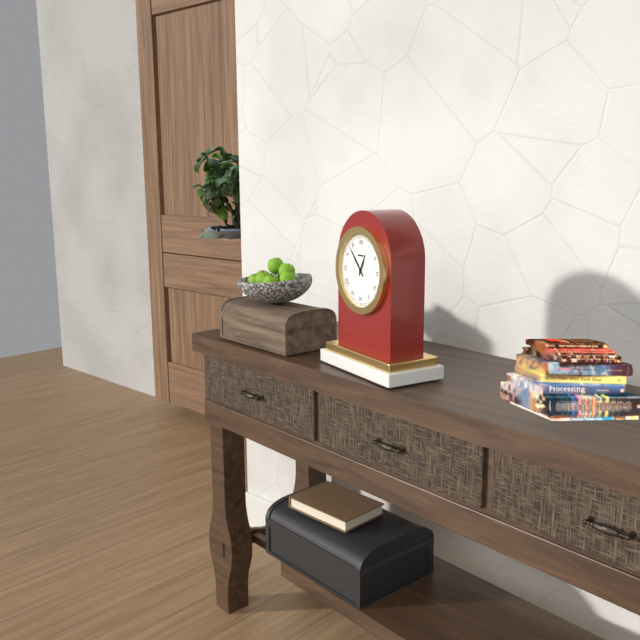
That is 12h53
